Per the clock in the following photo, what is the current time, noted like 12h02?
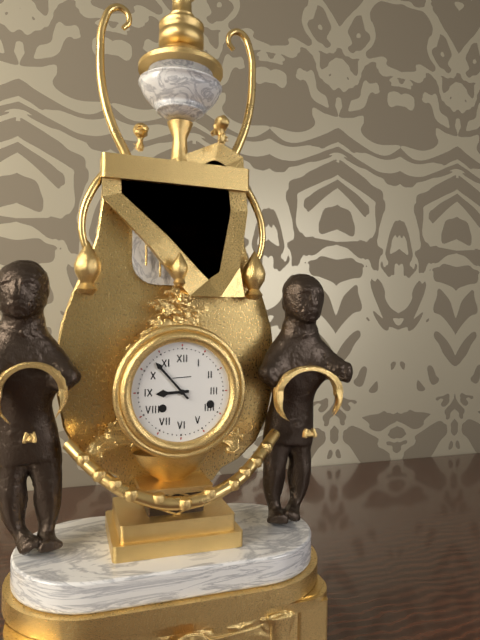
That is 8h53
